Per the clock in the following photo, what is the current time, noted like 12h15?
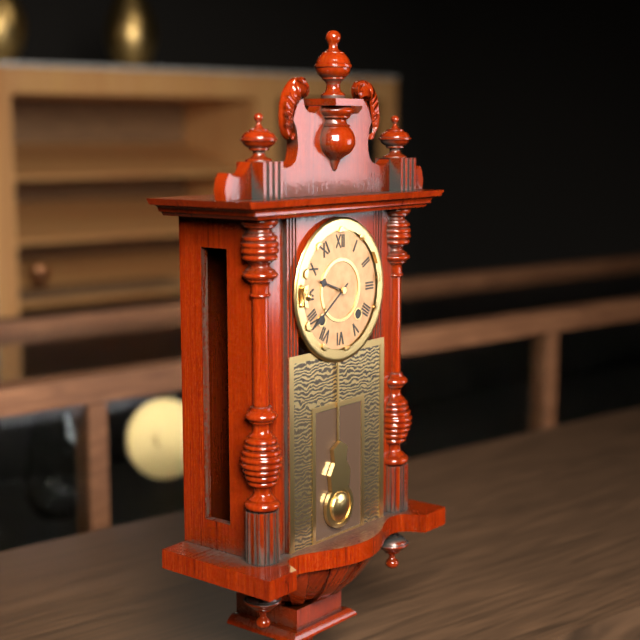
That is 9h39
